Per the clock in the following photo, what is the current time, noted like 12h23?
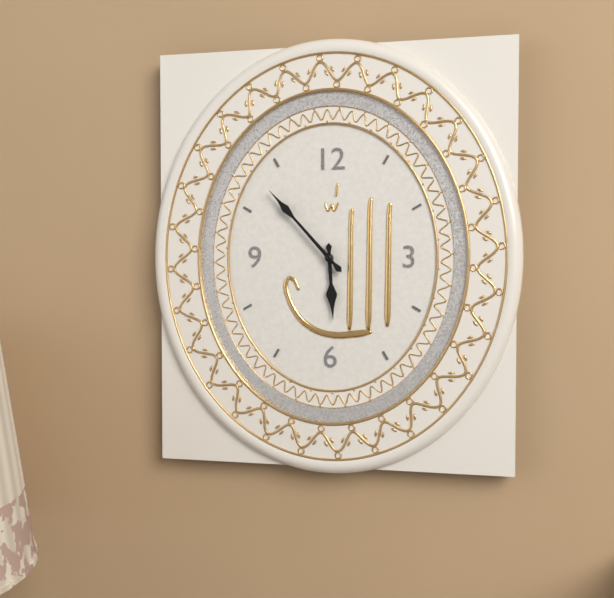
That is 5h53
